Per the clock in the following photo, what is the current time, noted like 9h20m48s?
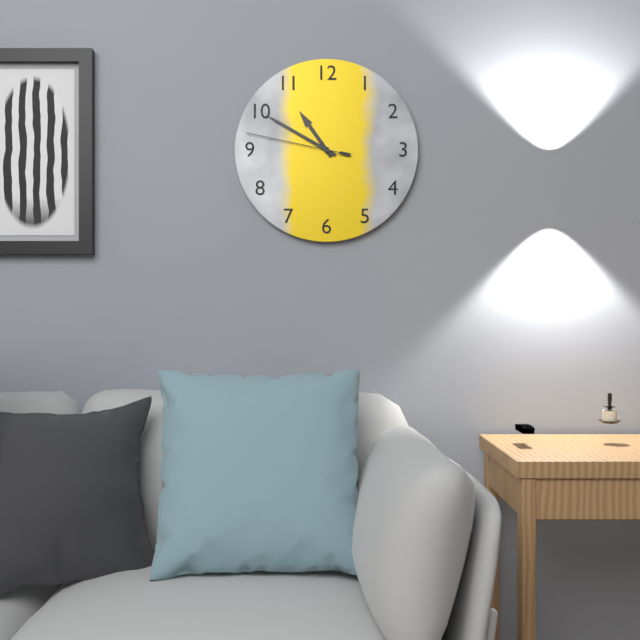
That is 10h50m47s
